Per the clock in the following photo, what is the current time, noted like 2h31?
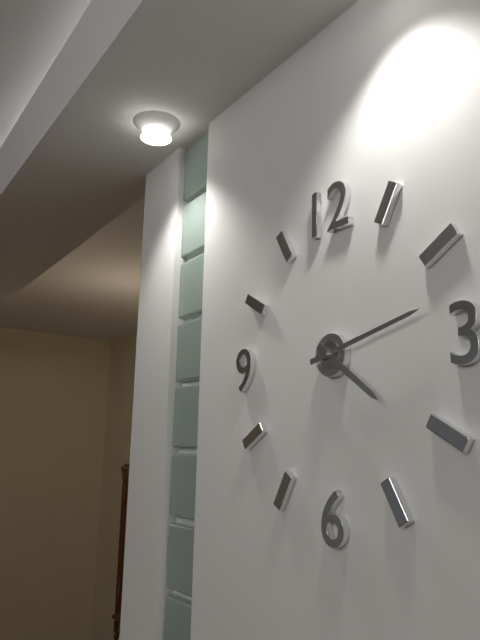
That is 4h13
